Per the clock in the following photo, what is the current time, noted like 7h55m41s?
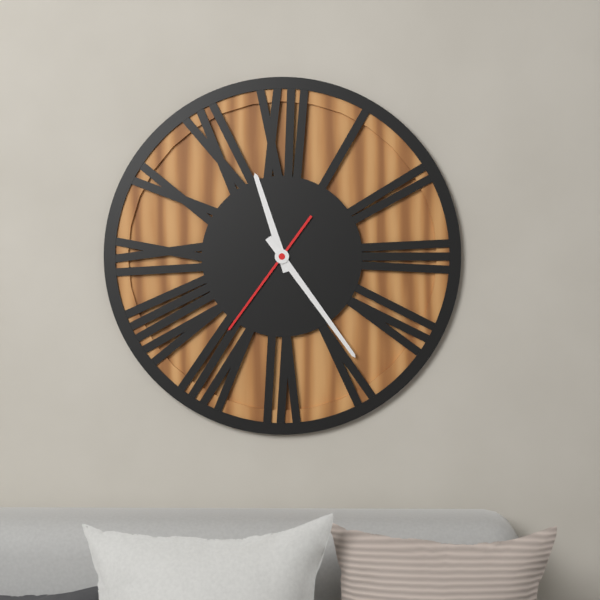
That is 11h24m36s
